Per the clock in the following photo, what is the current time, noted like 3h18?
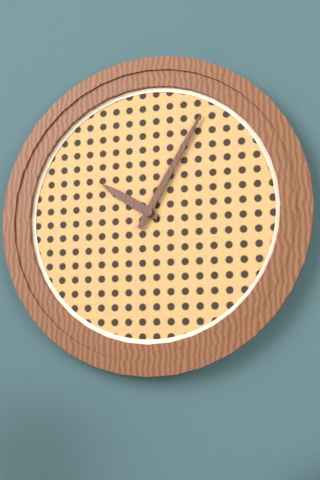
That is 10h05
